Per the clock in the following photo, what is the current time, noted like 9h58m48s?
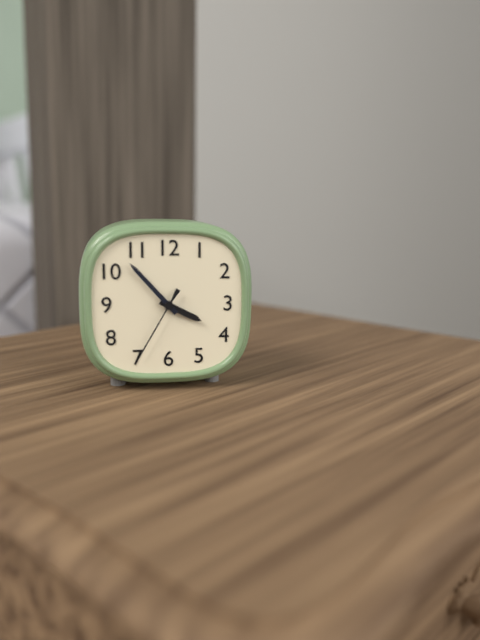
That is 3h53m35s
